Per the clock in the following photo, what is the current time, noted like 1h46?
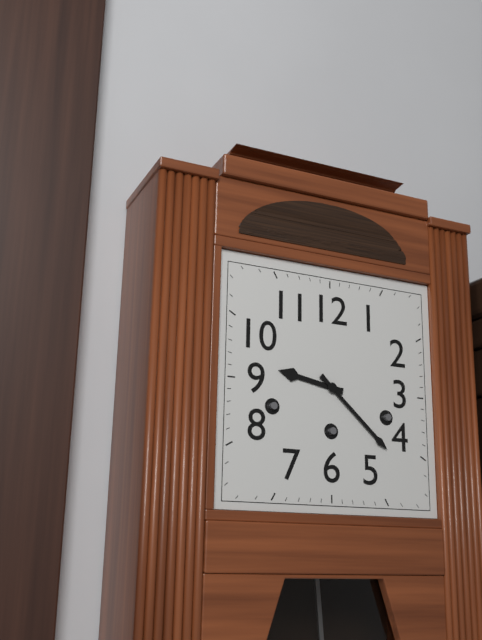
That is 9h22
